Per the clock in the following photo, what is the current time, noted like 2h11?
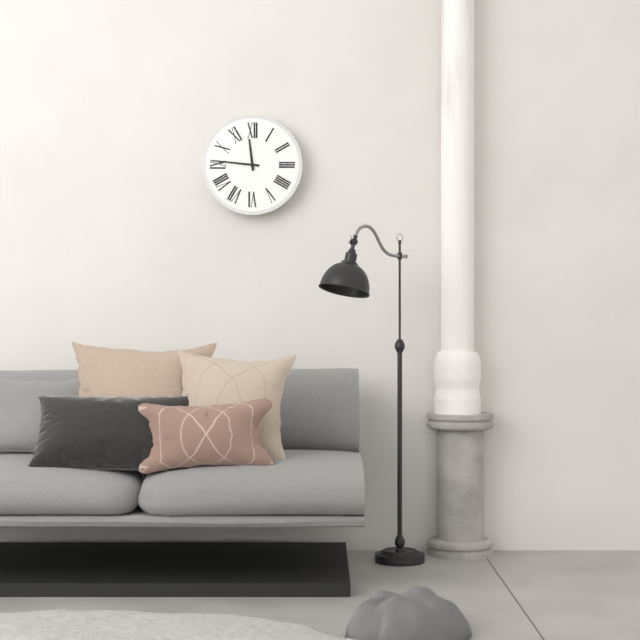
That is 11h46
